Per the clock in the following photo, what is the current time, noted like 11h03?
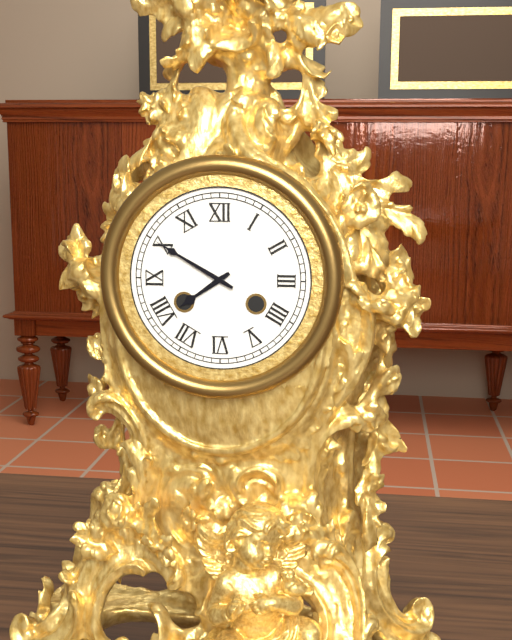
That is 7h50
